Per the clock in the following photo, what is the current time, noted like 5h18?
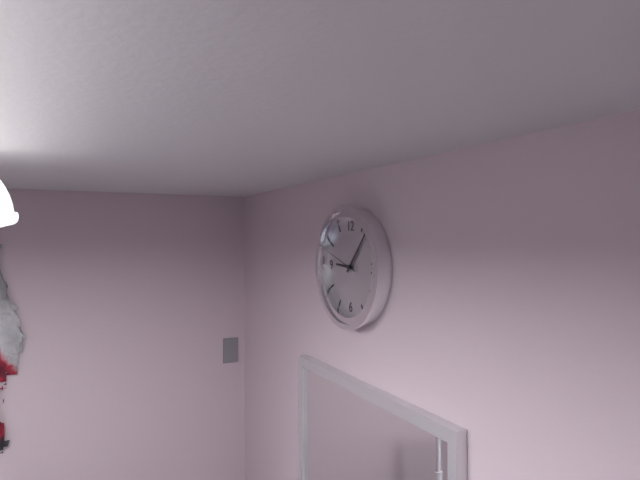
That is 9h07
